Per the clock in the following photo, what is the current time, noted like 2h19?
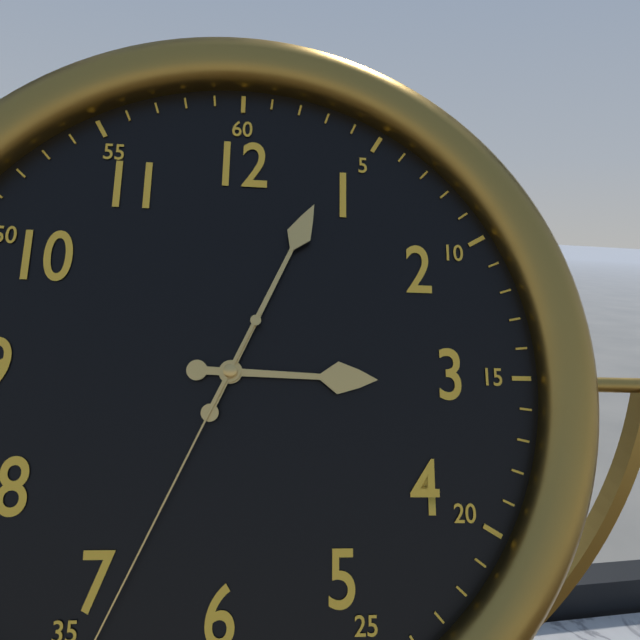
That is 3h04
